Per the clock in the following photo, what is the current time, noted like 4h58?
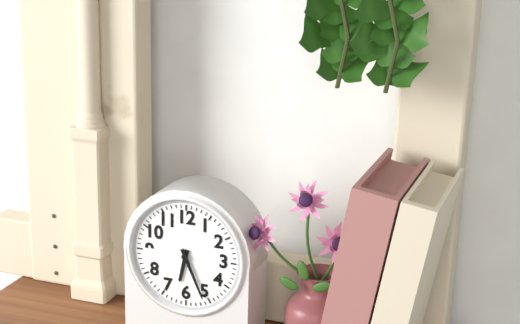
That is 6h26
